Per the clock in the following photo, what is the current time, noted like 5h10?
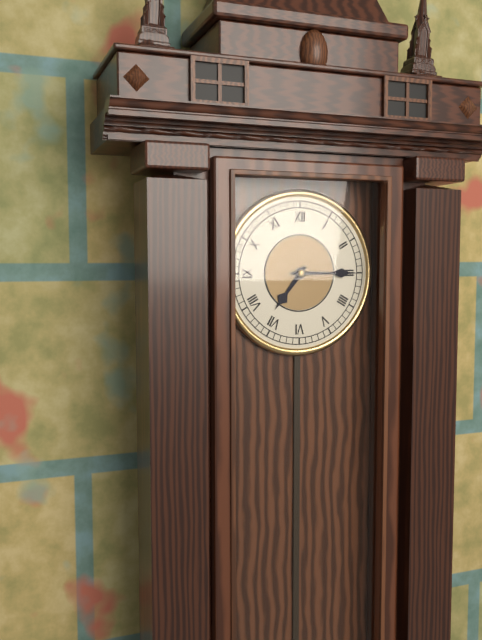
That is 7h15
